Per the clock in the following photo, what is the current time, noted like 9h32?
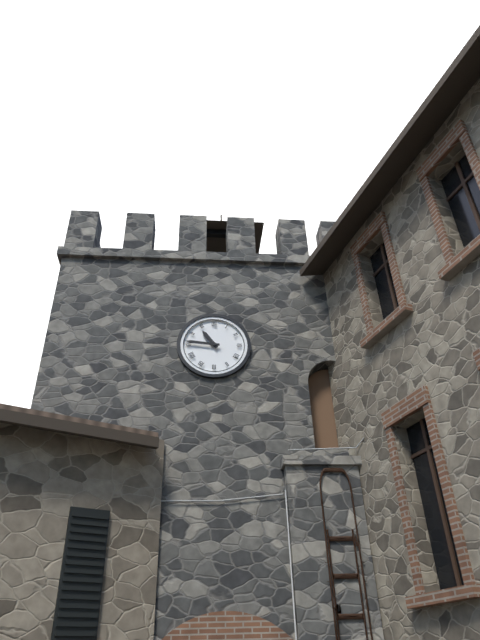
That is 10h46
